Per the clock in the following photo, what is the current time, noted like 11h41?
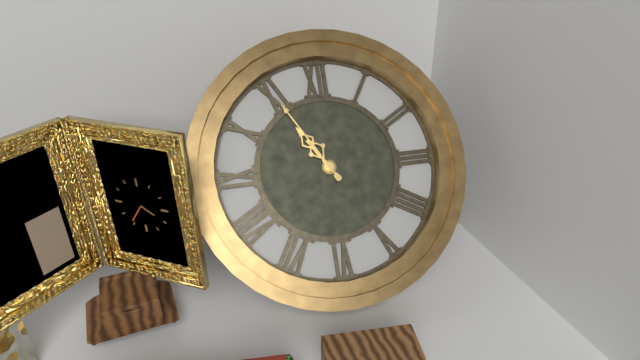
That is 10h55
